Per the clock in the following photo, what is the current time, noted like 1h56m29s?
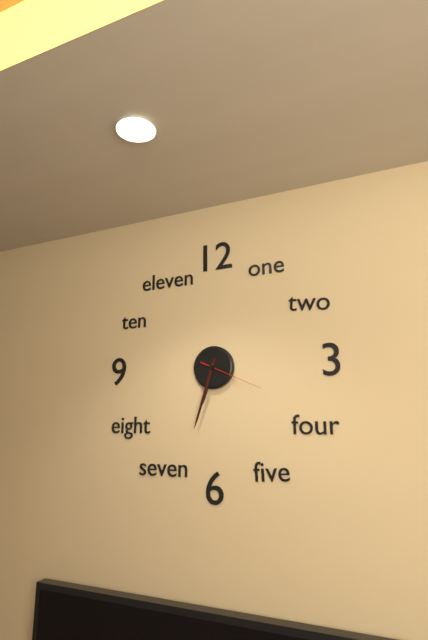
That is 6h33m19s
